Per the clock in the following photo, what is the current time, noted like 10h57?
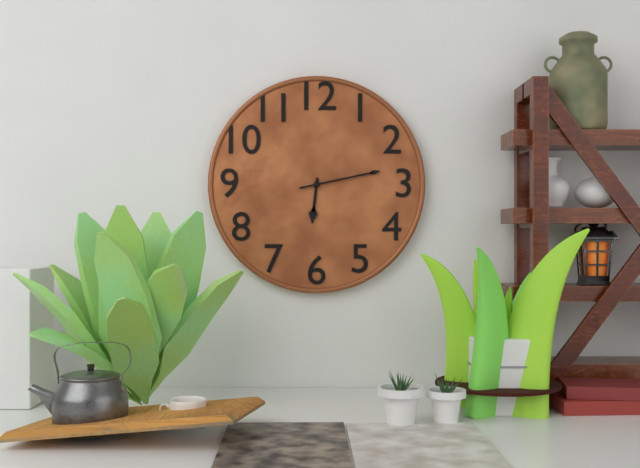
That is 6h13
